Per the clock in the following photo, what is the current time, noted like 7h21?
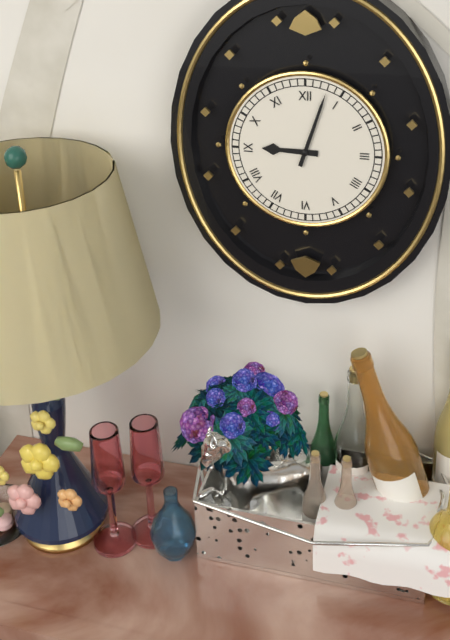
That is 9h03
